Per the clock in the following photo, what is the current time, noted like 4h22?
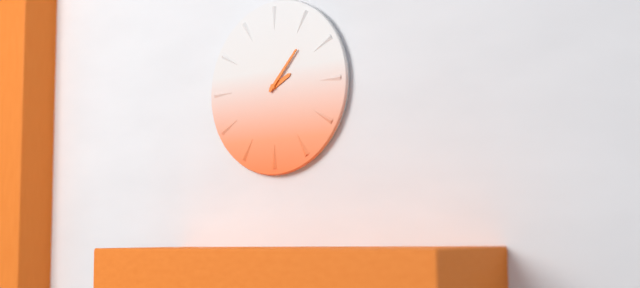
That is 2h07
